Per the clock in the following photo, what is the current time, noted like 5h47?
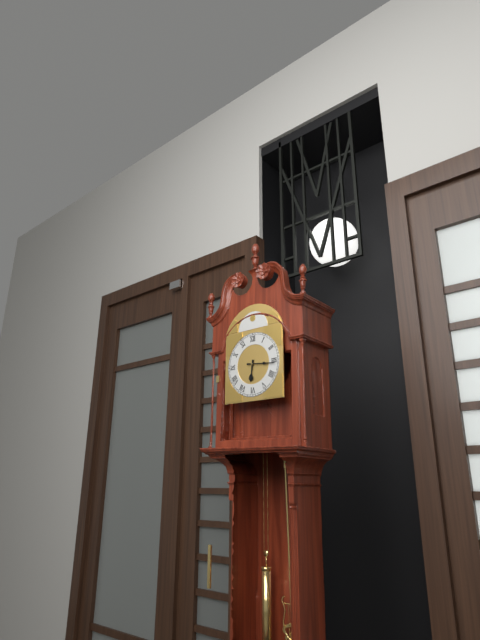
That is 6h16
